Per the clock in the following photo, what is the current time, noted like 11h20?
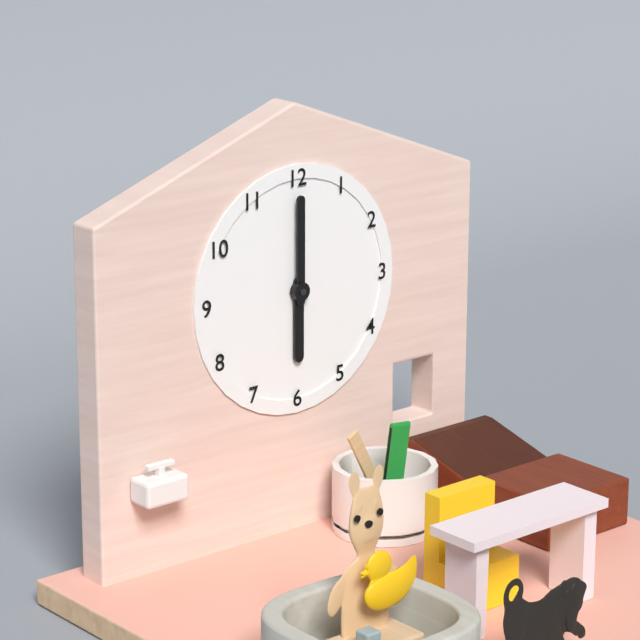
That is 6h00
